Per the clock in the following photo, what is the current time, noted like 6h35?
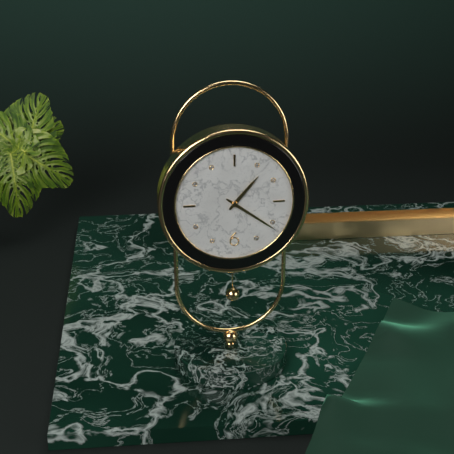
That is 1h21
